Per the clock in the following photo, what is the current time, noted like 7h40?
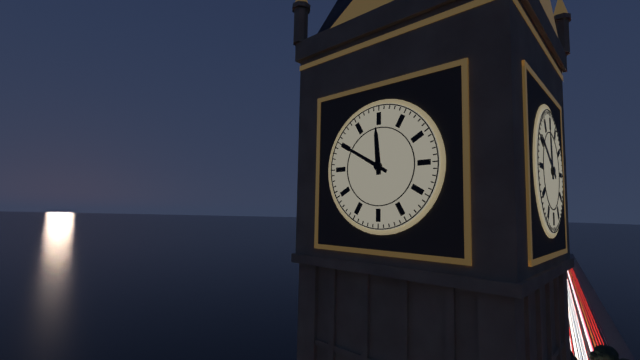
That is 11h50
